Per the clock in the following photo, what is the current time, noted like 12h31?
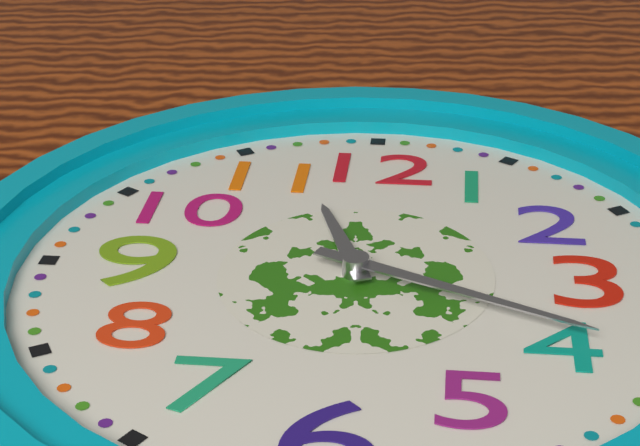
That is 11h19
